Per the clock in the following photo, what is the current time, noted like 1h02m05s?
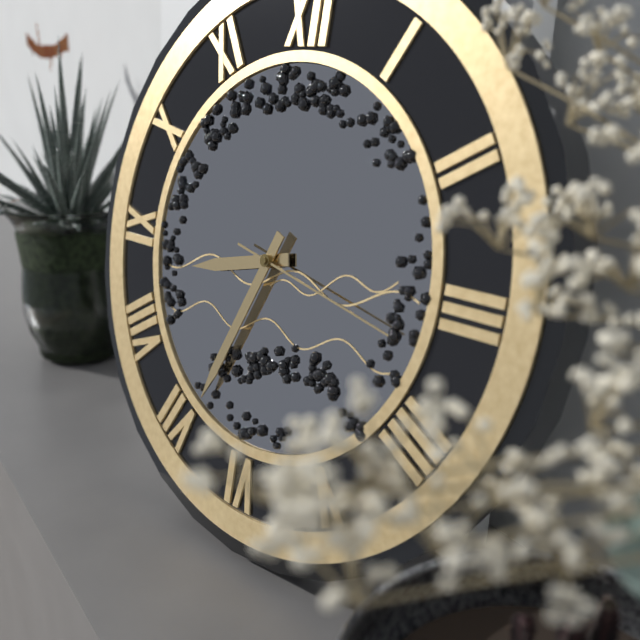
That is 8h34m17s
